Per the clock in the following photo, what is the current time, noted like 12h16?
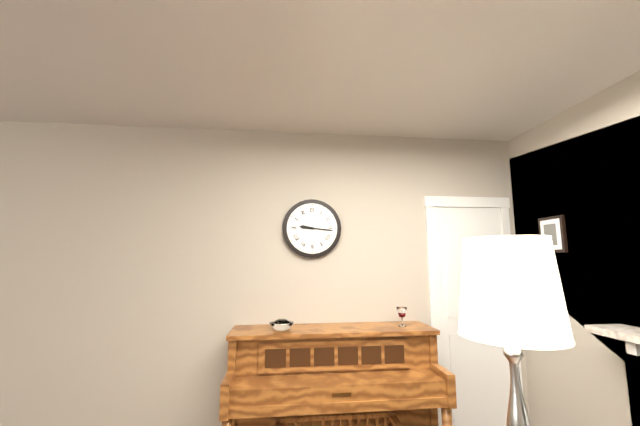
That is 9h16
